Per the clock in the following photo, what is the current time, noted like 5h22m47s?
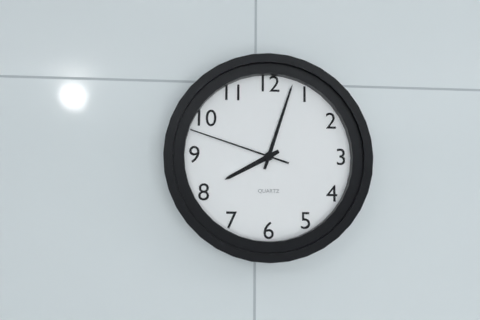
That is 8h03m48s
